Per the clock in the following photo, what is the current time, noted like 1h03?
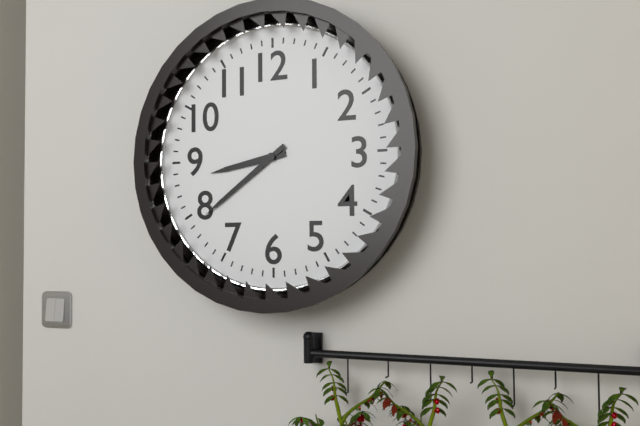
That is 8h39
